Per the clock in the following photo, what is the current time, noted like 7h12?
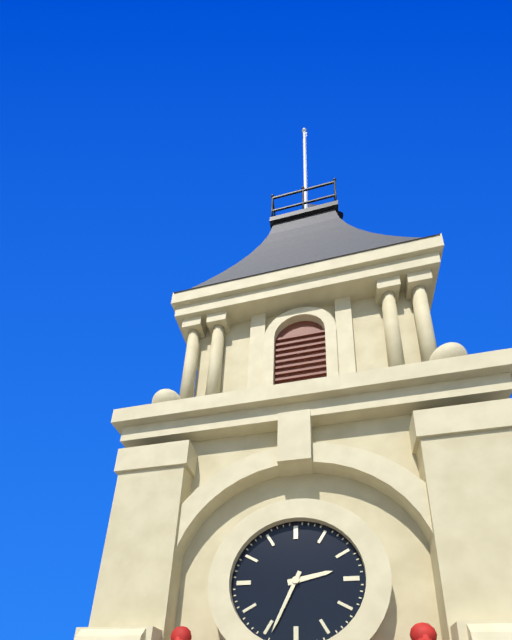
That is 2h34
